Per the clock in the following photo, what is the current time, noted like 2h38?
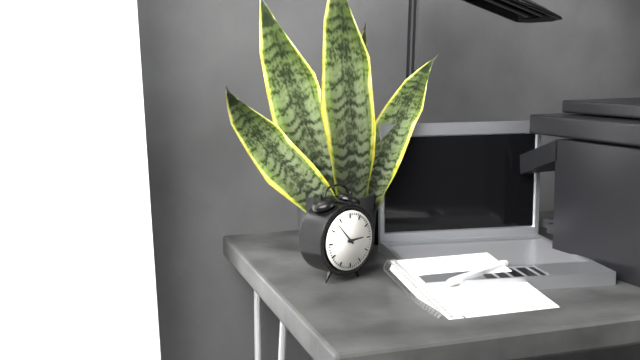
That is 2h53
